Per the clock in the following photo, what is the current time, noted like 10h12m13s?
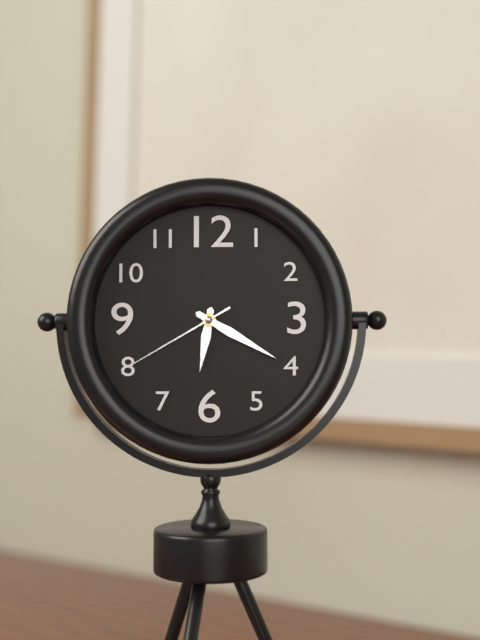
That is 6h20m40s
